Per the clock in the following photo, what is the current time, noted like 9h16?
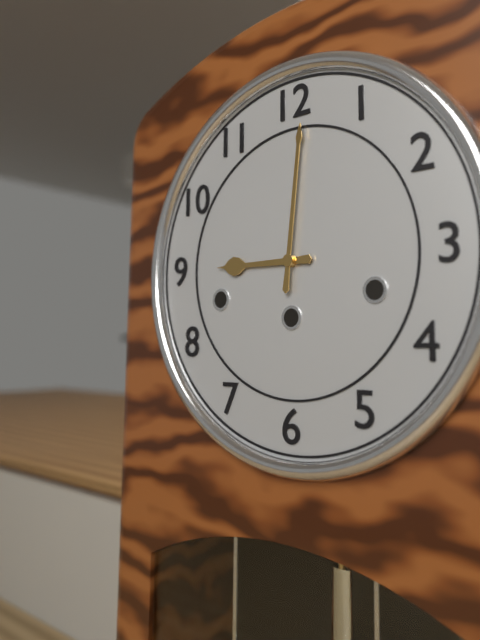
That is 9h01
